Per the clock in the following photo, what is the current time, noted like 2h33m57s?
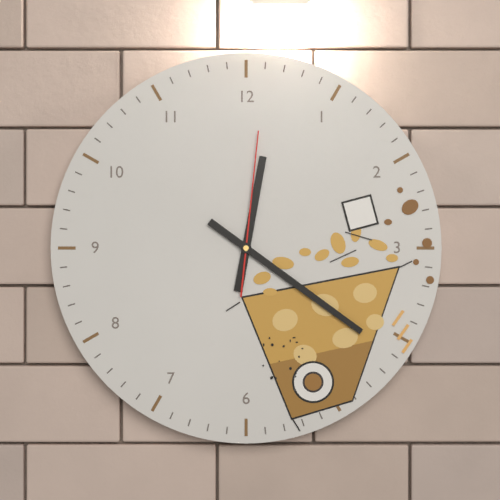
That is 12h21m01s
